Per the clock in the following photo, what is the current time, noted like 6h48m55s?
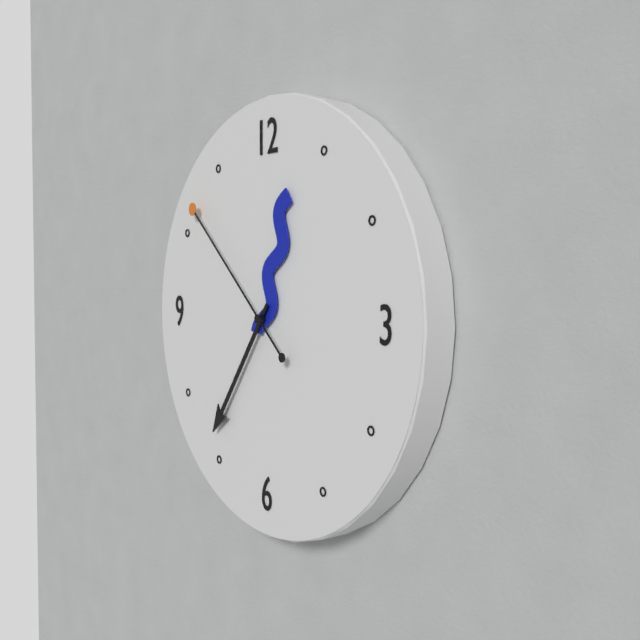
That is 12h36m52s
